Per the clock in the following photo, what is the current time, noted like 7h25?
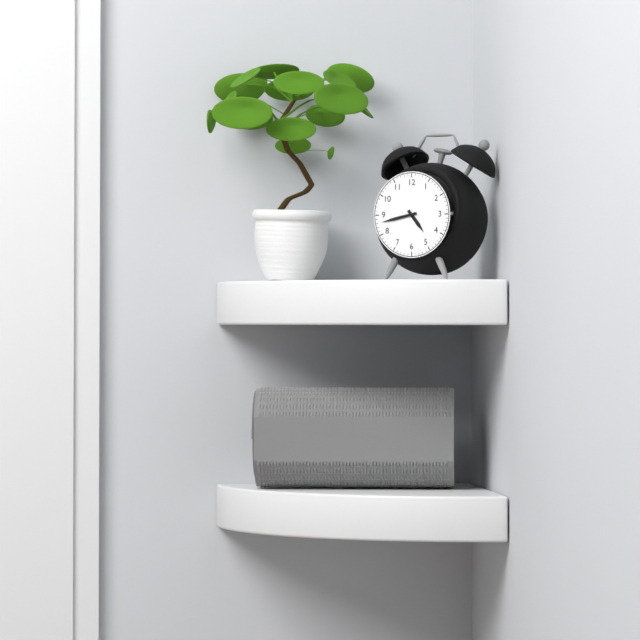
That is 4h43
